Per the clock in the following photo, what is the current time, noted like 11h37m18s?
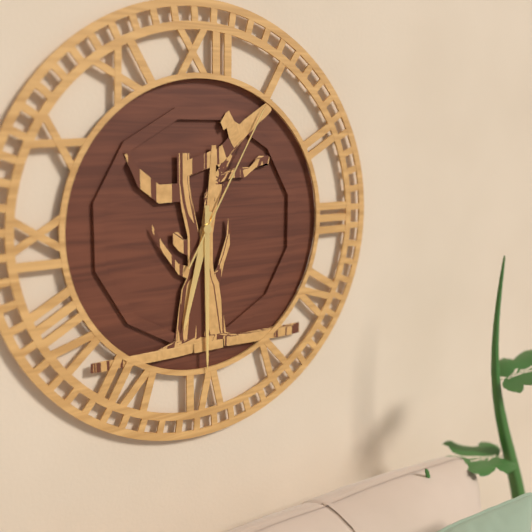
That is 6h30m05s
